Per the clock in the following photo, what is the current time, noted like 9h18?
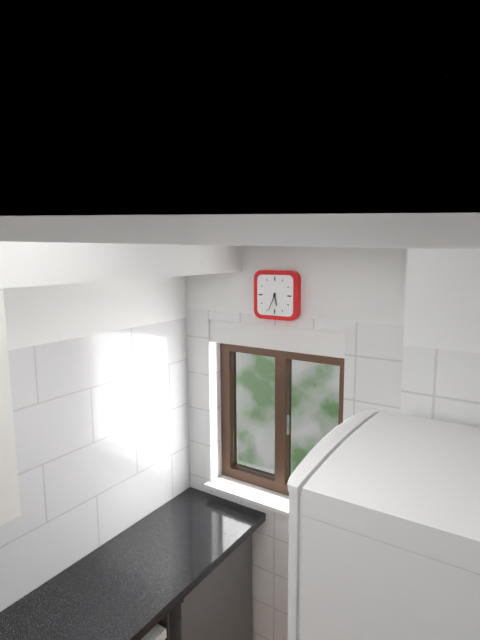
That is 5h34
